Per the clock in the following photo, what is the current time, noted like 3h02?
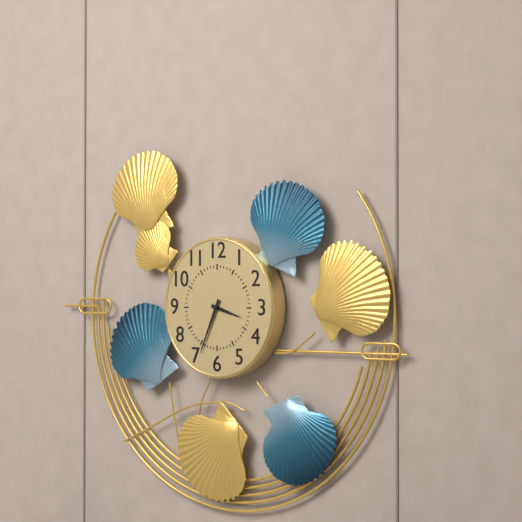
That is 3h34
